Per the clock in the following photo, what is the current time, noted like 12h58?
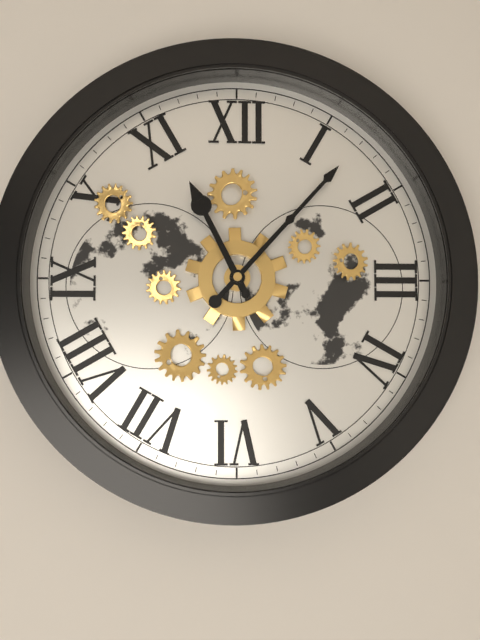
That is 11h07
